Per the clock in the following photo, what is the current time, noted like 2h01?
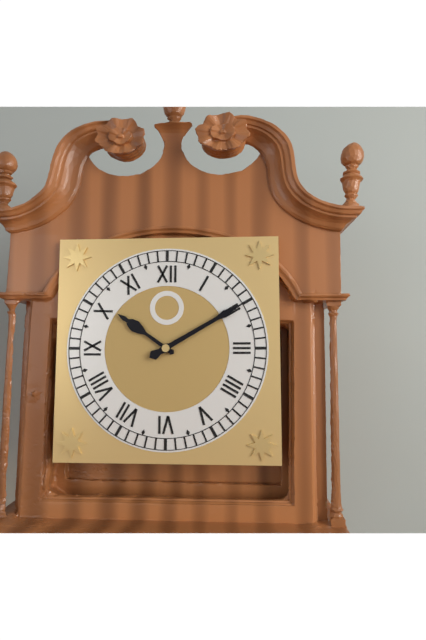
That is 10h10
